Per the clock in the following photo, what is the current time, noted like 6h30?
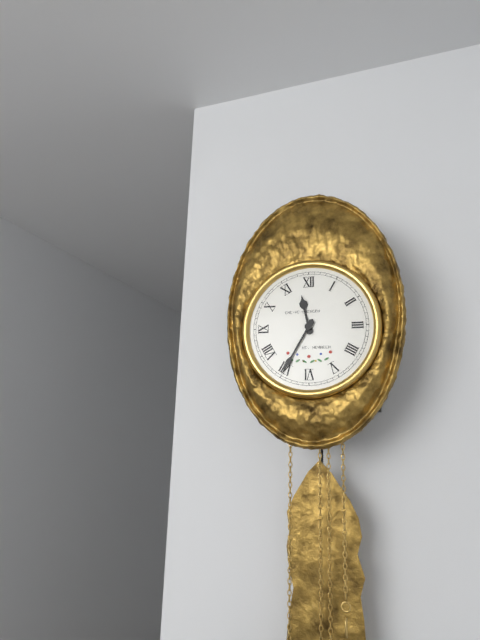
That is 11h35
